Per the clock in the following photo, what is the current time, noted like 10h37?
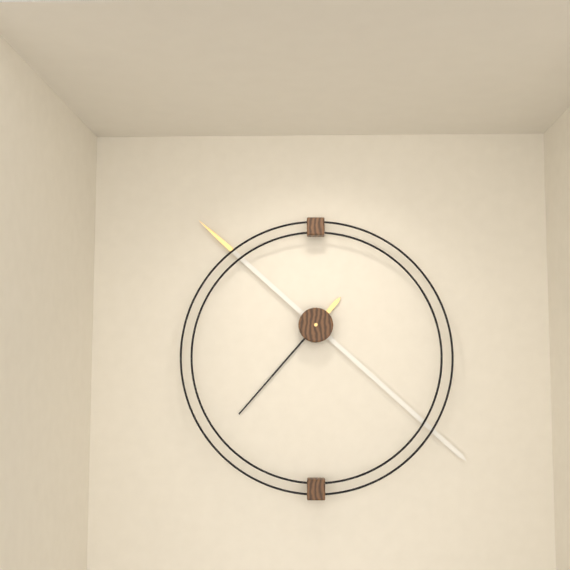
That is 7h22
